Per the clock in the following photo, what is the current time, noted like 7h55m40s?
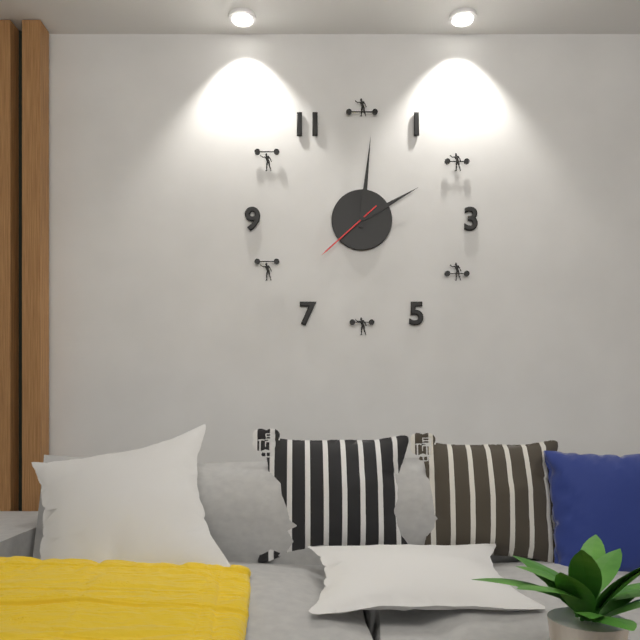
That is 2h01m38s
